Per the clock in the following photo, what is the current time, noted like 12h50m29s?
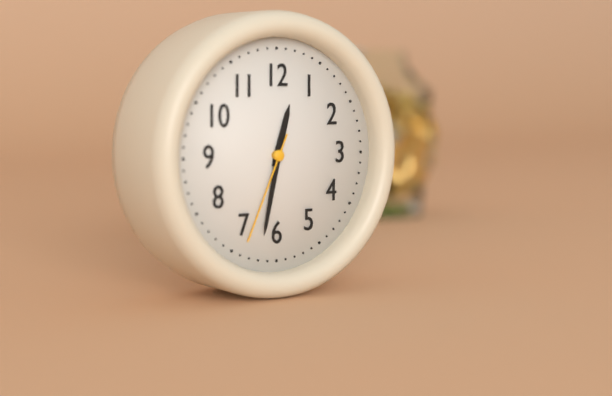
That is 12h32m34s
